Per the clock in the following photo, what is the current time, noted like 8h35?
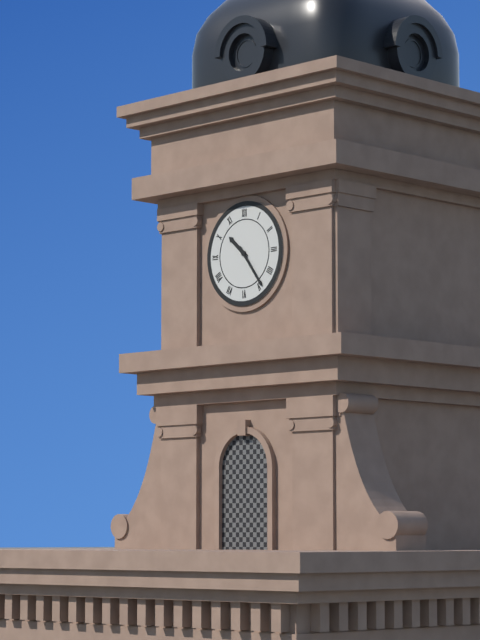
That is 10h24
